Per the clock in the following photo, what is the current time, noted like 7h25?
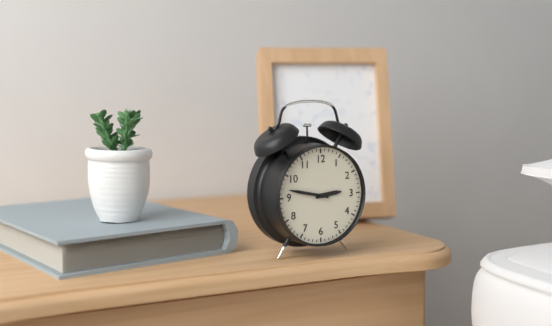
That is 2h47
